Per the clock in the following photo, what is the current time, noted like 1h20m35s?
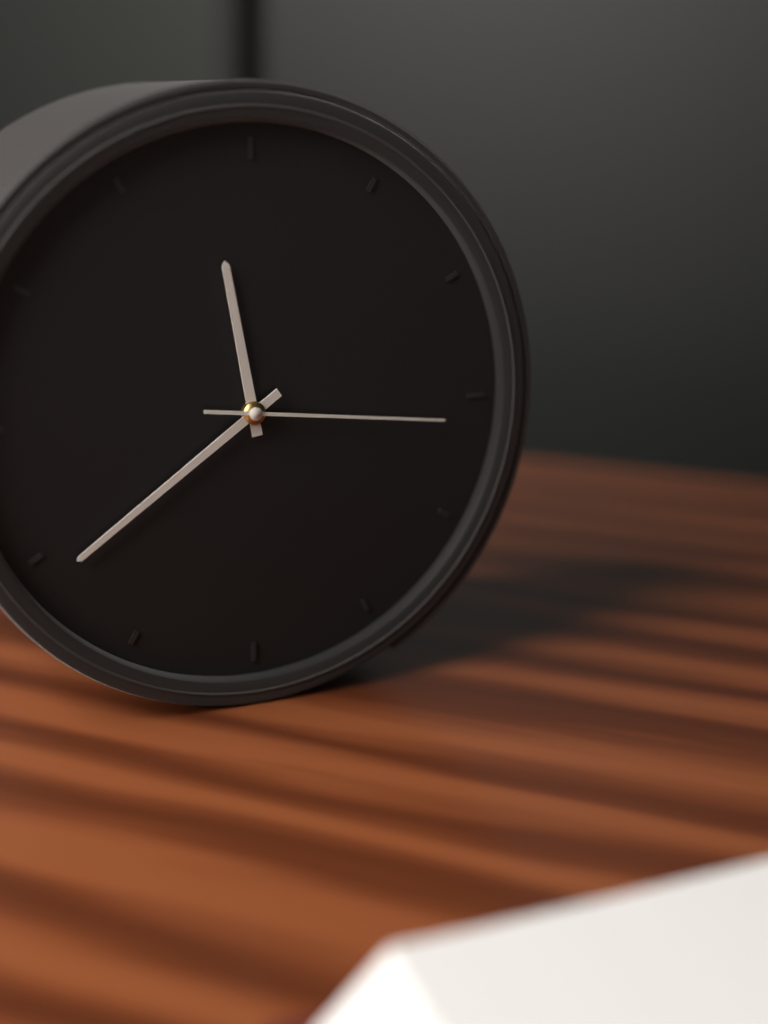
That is 11h39m16s
